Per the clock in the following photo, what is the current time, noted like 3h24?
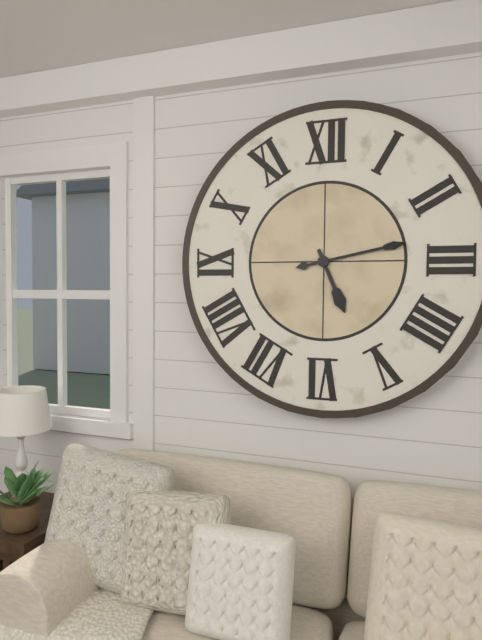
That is 5h13
